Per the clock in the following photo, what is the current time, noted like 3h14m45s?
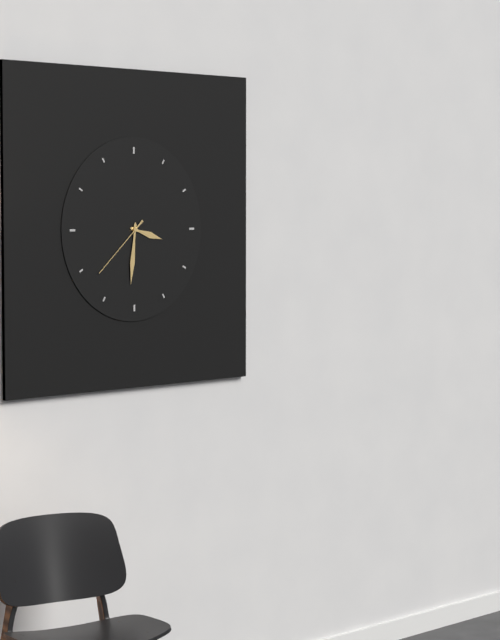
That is 3h31m38s
